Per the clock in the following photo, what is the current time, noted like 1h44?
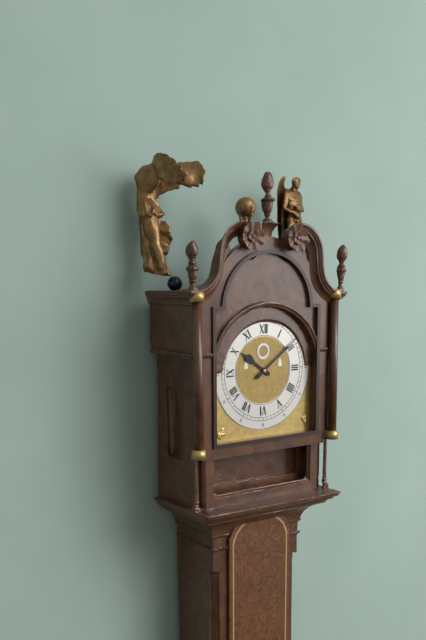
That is 10h09
